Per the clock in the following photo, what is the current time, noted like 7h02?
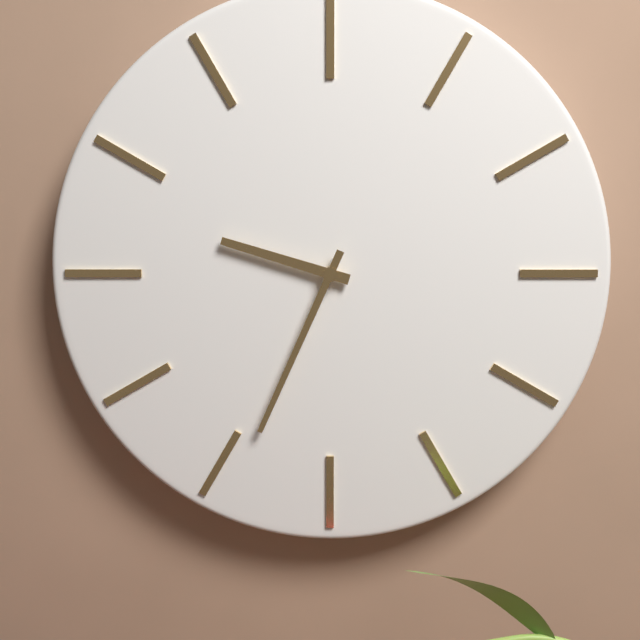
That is 9h34
